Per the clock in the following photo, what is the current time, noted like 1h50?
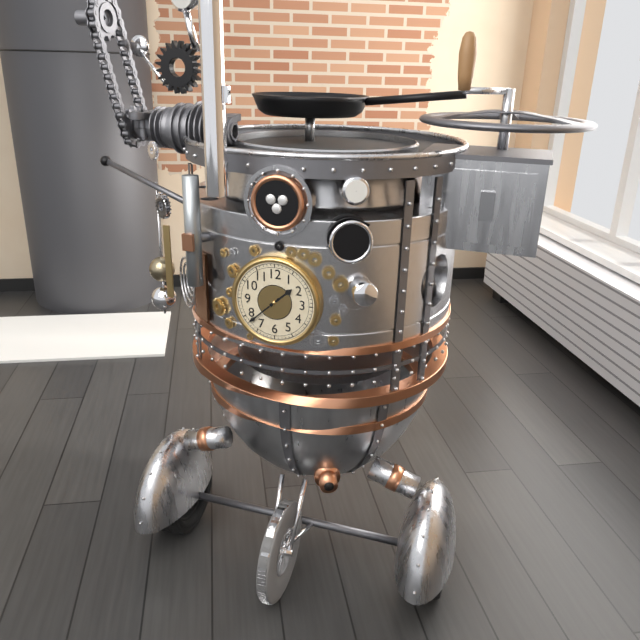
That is 1h38
